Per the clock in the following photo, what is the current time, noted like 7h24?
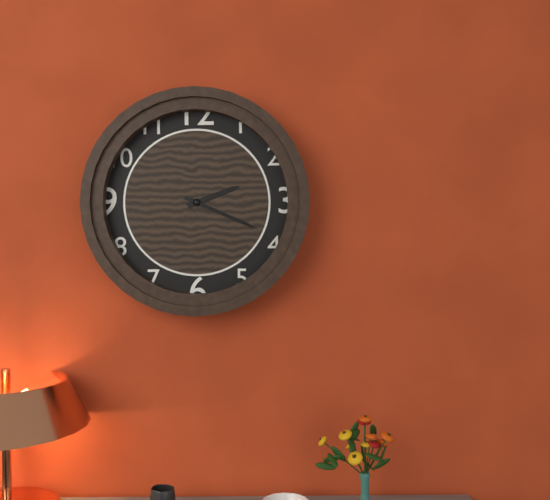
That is 2h19
